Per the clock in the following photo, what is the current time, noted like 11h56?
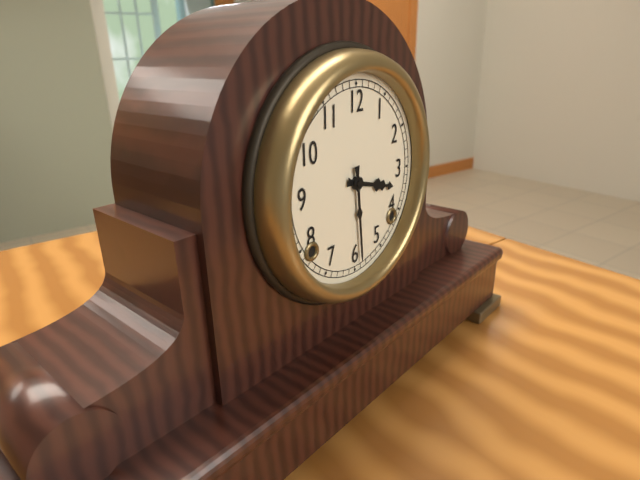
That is 3h29
